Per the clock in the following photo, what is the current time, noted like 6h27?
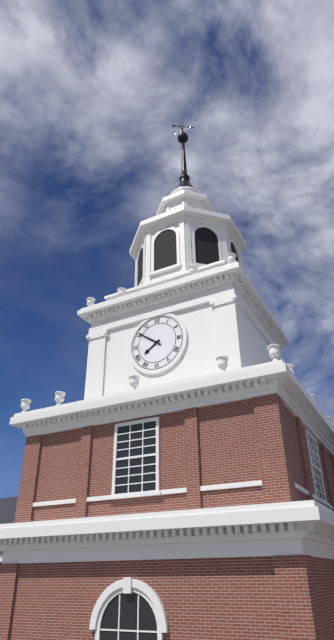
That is 7h51
